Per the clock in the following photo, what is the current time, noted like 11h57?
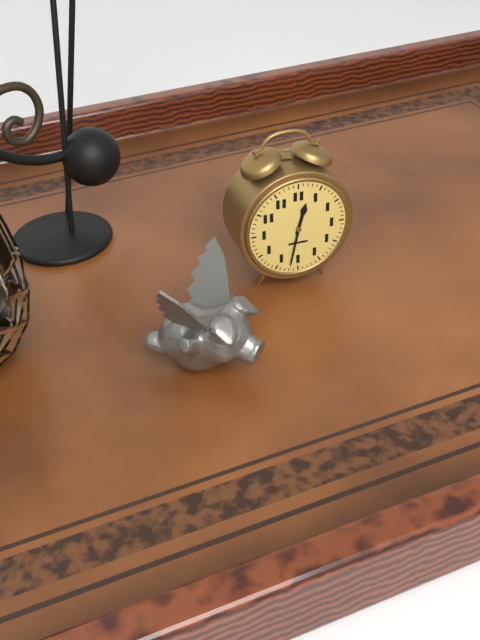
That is 12h32
